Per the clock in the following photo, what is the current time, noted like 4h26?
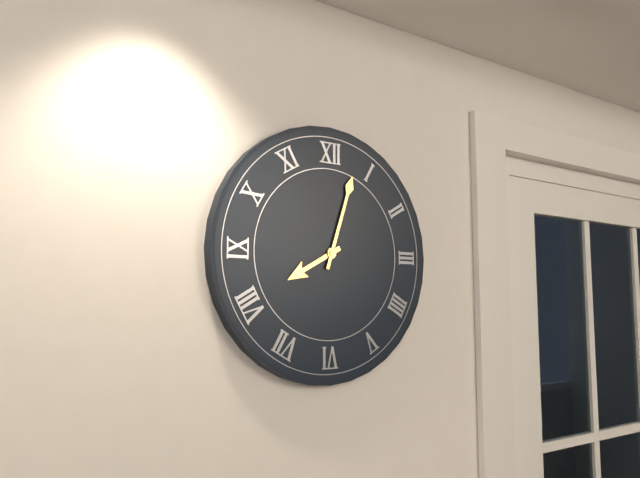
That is 8h03
